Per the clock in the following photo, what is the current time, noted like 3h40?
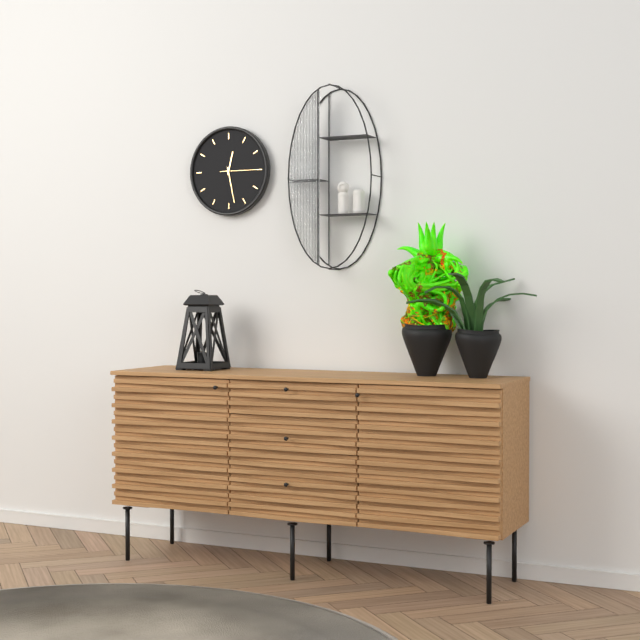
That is 12h28
